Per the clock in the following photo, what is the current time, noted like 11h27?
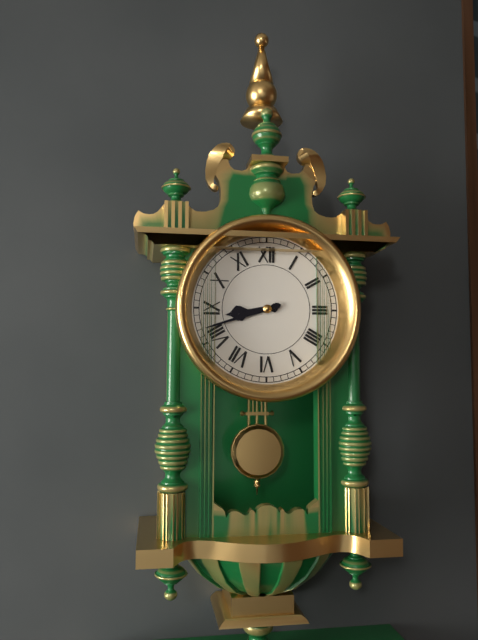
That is 8h42
